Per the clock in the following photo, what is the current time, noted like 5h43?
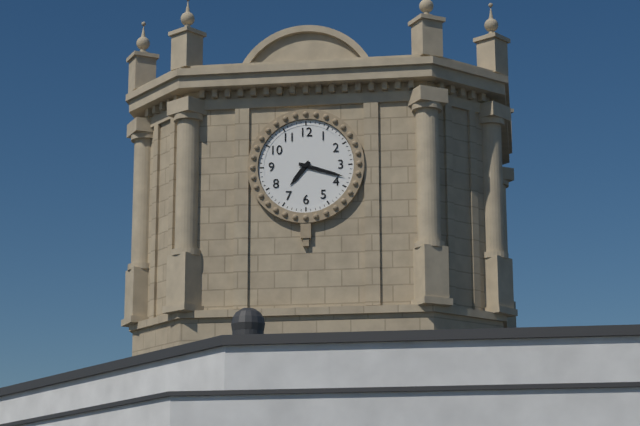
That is 7h18
